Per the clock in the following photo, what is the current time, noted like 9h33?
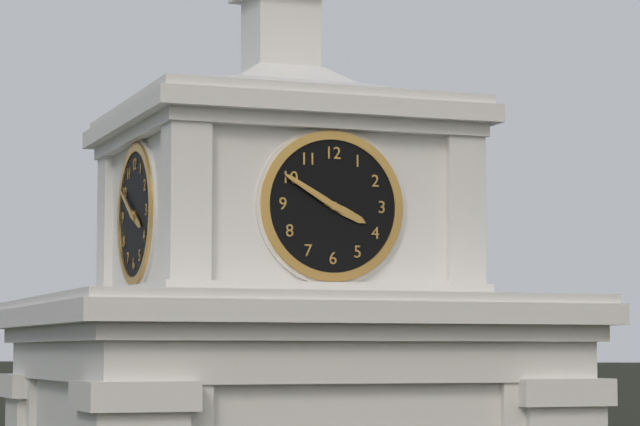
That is 3h50
